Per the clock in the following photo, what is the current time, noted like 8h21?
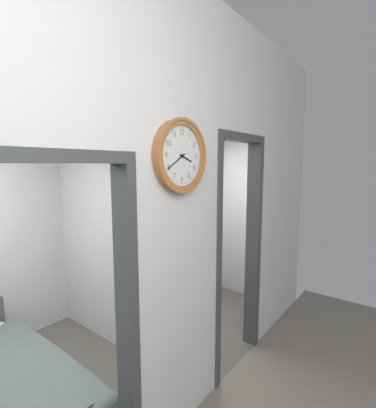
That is 3h40
